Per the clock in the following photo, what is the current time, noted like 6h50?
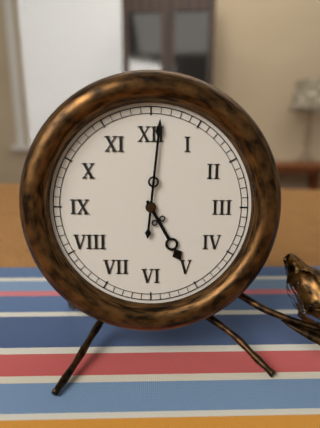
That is 5h01
